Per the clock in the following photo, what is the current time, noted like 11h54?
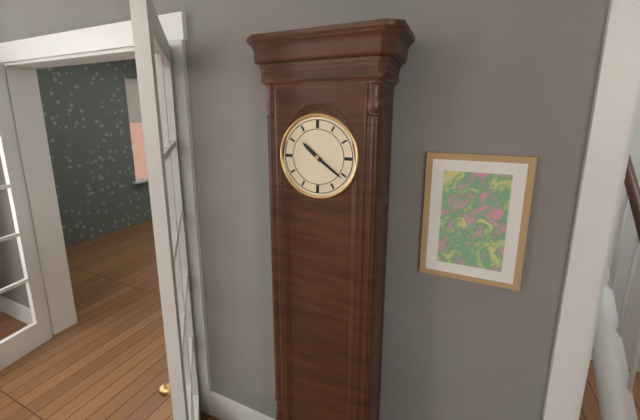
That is 10h21
